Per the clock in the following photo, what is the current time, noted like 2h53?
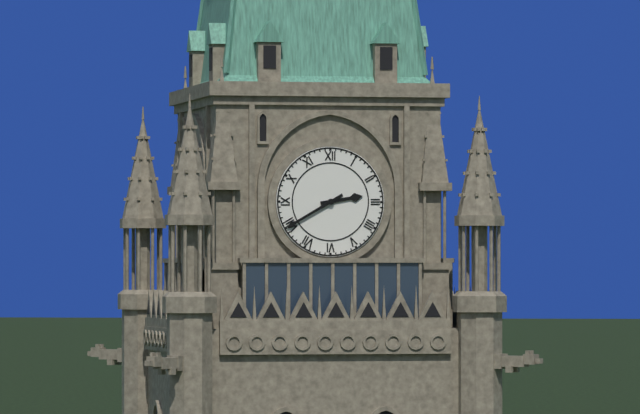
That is 2h40
